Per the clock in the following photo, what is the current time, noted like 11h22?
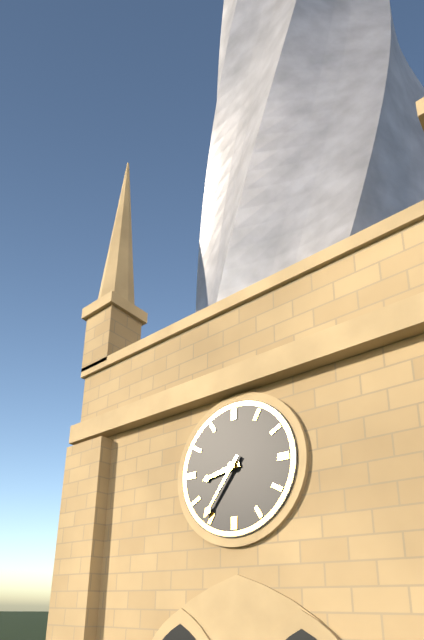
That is 8h36
